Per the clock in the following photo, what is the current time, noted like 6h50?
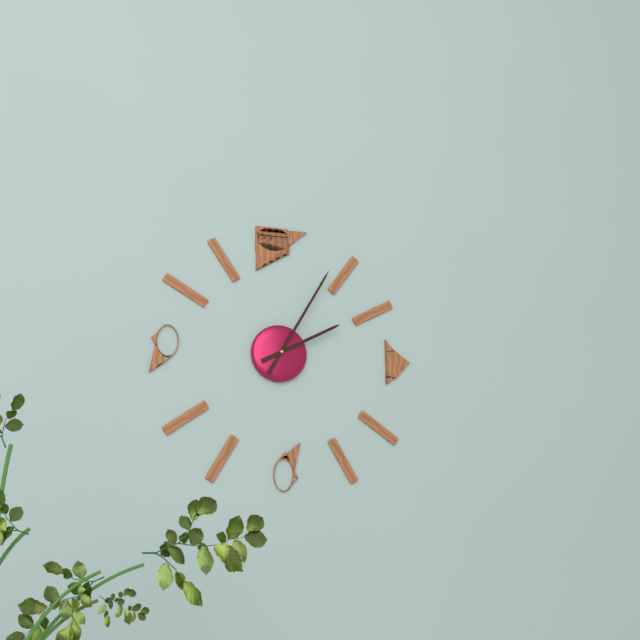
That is 2h05
